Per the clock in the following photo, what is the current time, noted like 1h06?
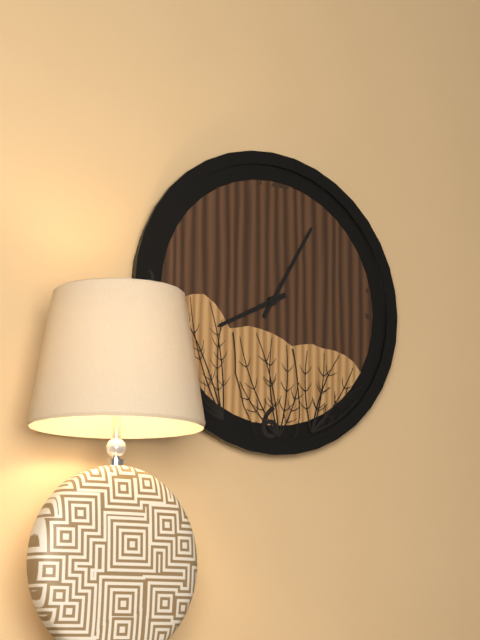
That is 8h05
